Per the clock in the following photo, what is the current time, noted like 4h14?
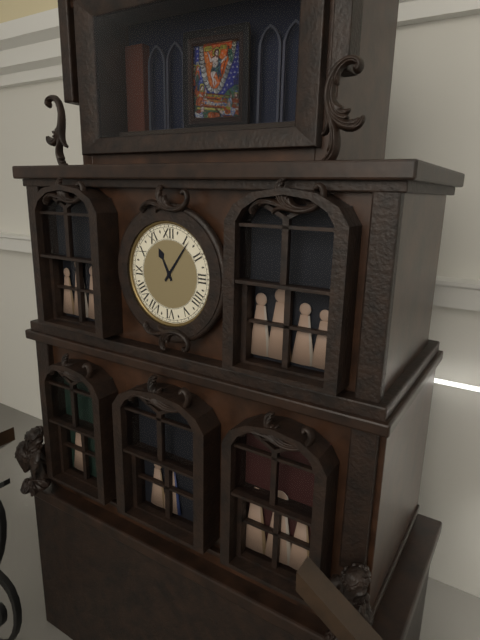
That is 11h06
